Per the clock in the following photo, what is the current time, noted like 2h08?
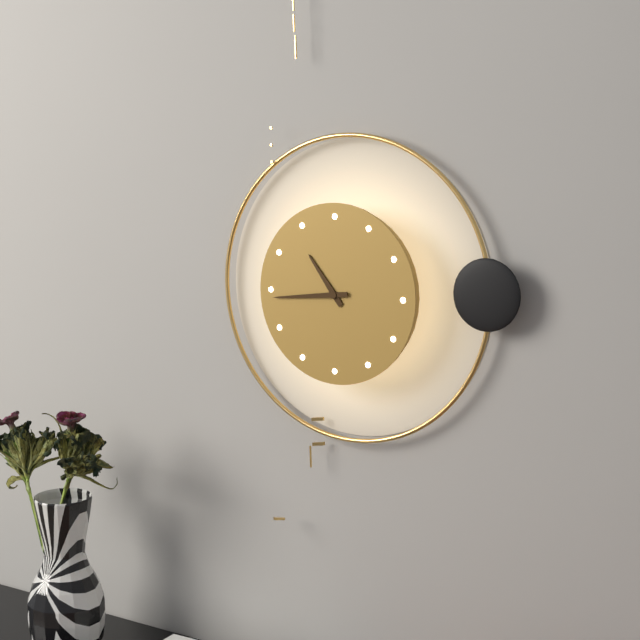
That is 10h44
